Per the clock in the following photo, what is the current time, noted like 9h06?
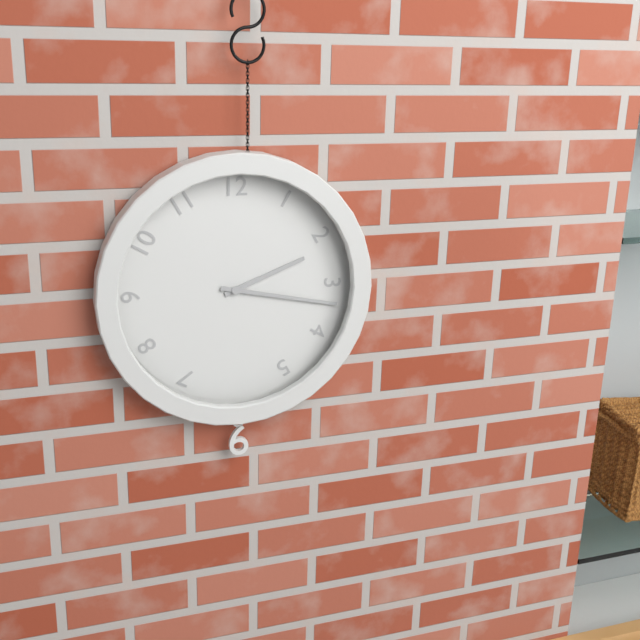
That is 2h17
